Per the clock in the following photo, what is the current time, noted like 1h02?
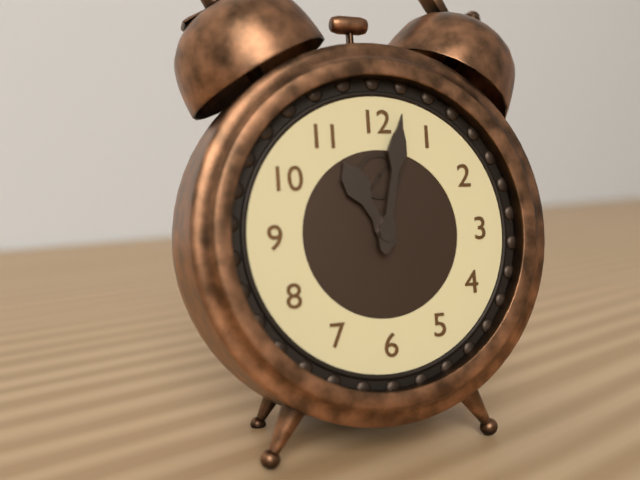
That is 11h02
